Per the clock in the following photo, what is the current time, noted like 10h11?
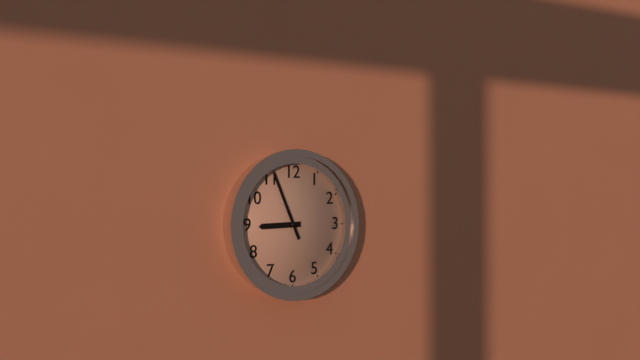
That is 8h56
